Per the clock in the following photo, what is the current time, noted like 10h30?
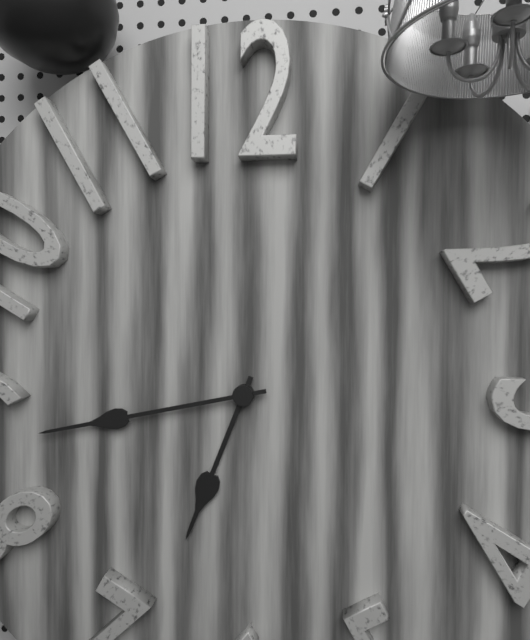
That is 6h43
